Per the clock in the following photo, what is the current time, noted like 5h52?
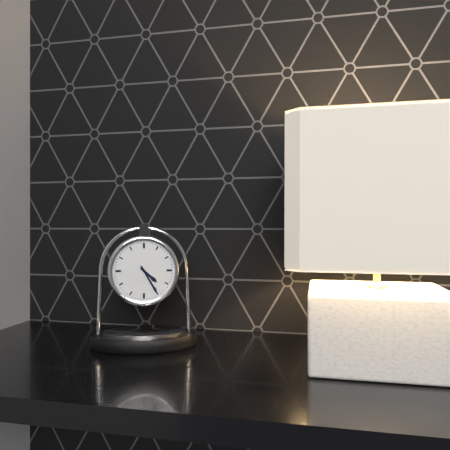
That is 4h25
